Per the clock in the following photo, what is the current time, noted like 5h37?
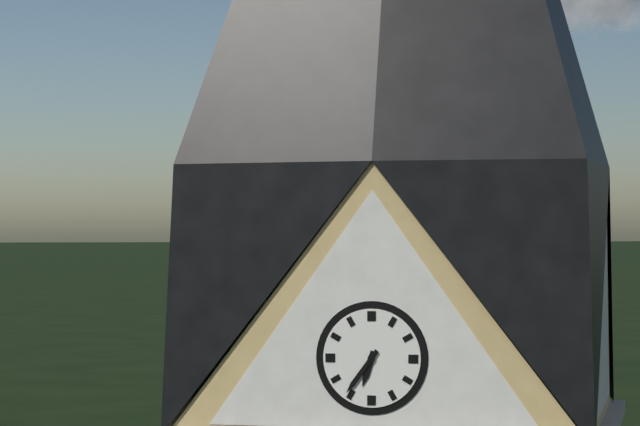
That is 6h36
